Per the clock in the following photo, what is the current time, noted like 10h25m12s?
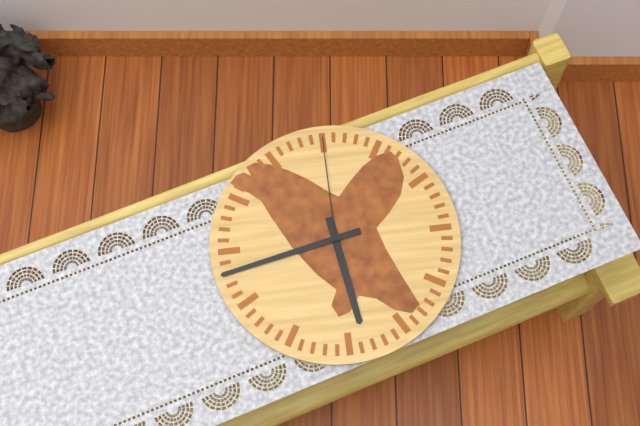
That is 5h43m00s
